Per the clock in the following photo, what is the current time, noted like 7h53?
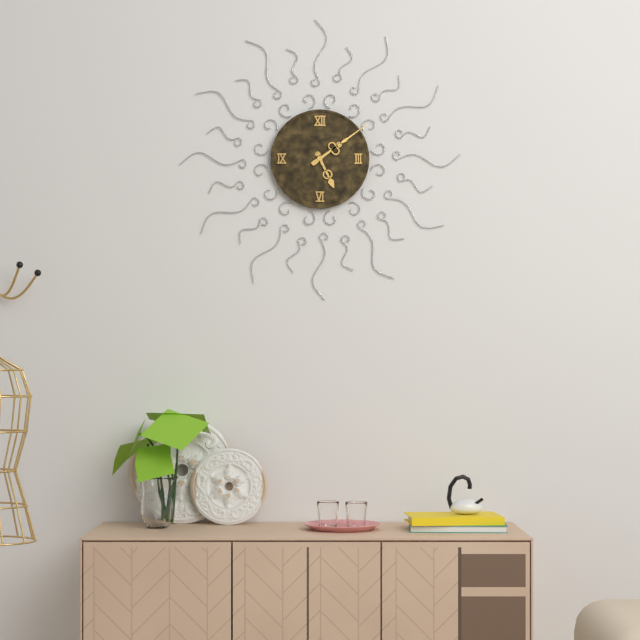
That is 5h09
